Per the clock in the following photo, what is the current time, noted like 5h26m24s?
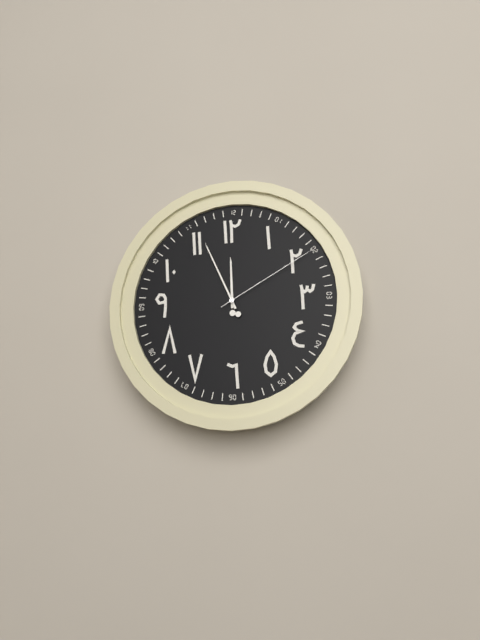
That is 11h56m10s
